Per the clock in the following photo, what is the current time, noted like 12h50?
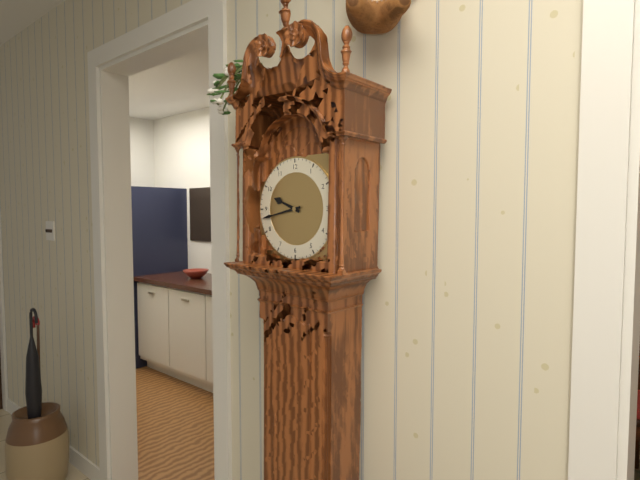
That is 9h43
